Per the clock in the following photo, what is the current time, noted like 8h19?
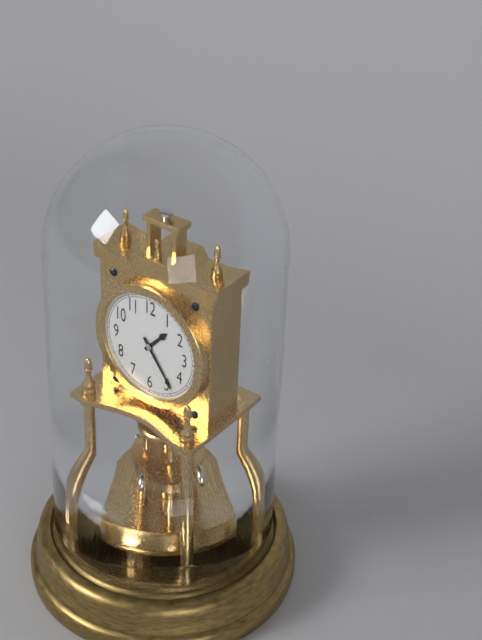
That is 1h24
